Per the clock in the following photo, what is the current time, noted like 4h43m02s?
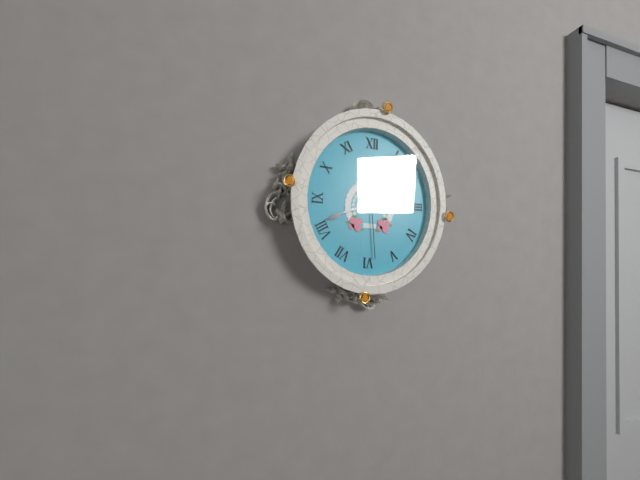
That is 2h41m29s
